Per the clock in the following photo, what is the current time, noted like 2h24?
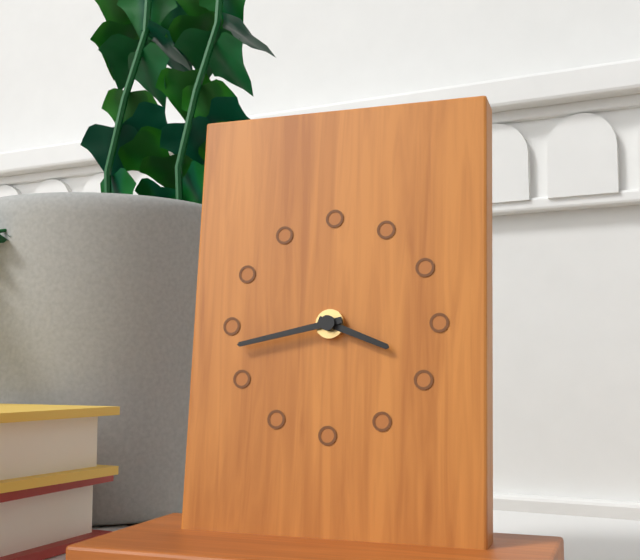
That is 3h43
